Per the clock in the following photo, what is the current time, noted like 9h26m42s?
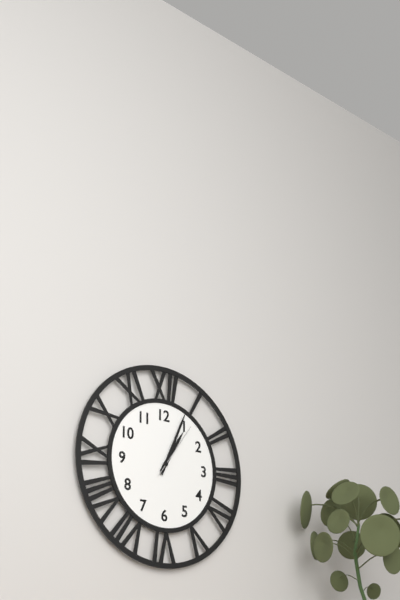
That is 1h04m06s
